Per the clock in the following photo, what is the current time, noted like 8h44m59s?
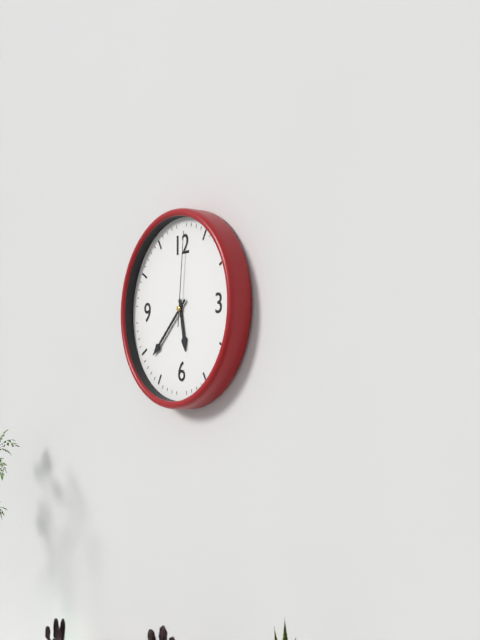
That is 5h38m01s
